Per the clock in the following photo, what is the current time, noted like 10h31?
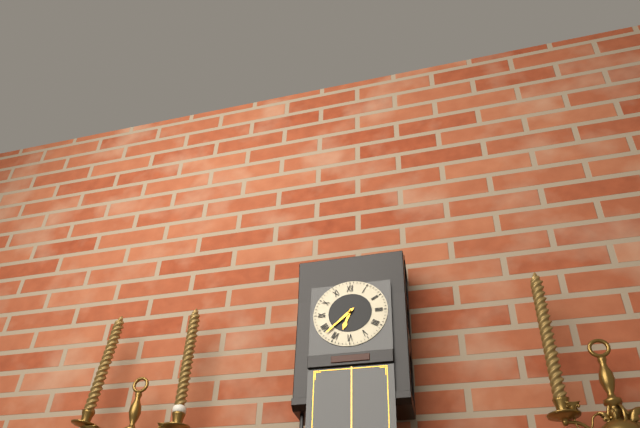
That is 6h38
